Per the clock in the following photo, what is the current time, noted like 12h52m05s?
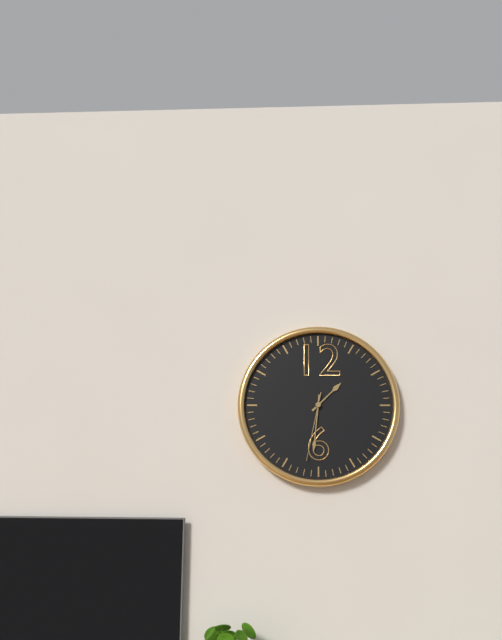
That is 1h31m32s
